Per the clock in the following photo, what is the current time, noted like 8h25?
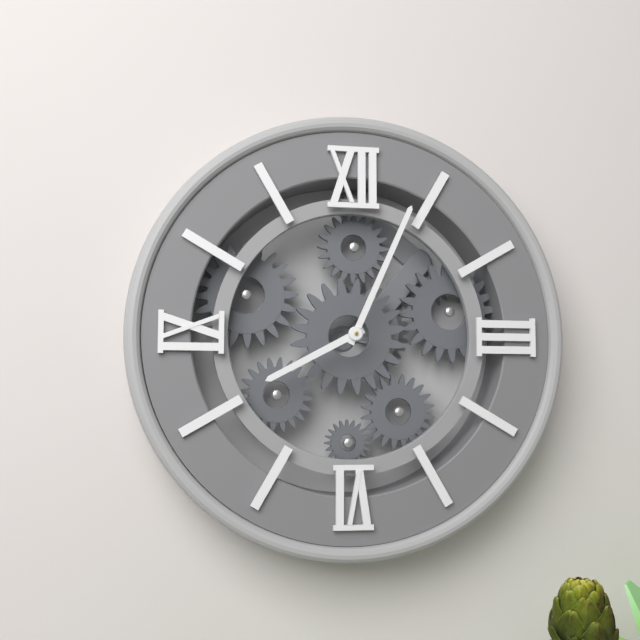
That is 8h04
